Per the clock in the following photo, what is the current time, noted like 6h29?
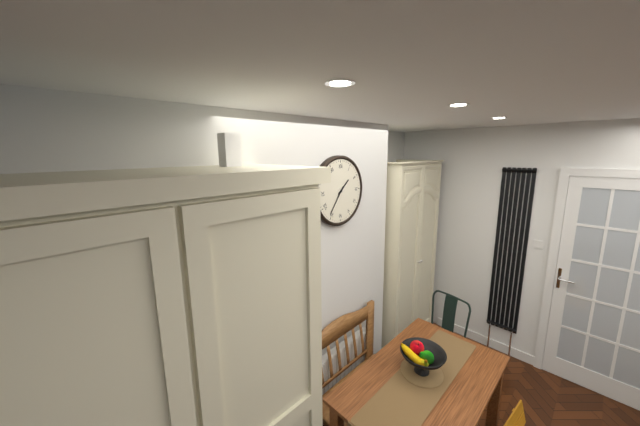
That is 1h36
